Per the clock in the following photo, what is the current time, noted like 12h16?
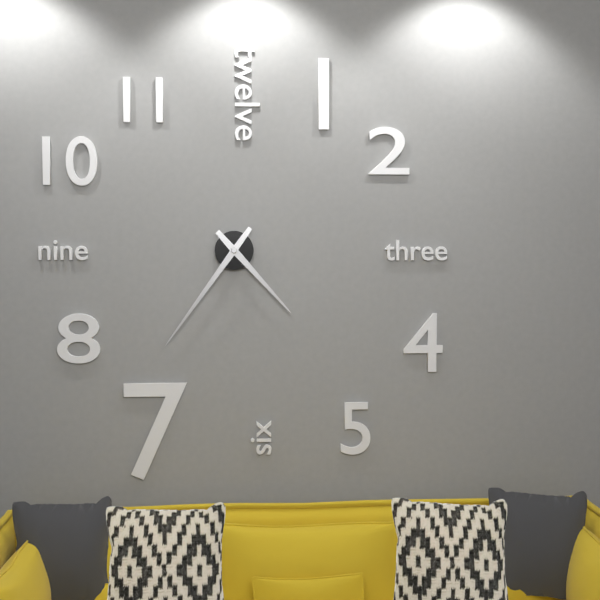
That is 4h36
